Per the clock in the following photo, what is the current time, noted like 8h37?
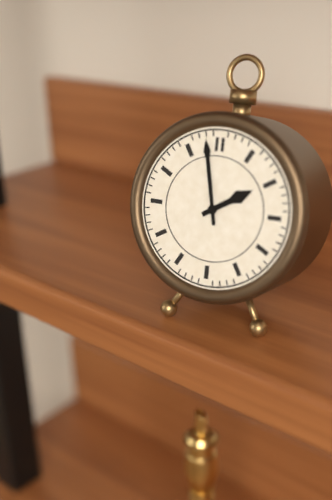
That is 1h58
